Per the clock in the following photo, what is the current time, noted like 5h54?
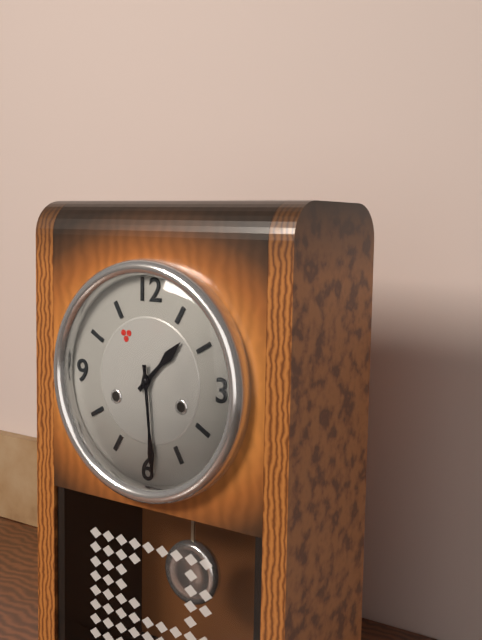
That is 1h29
